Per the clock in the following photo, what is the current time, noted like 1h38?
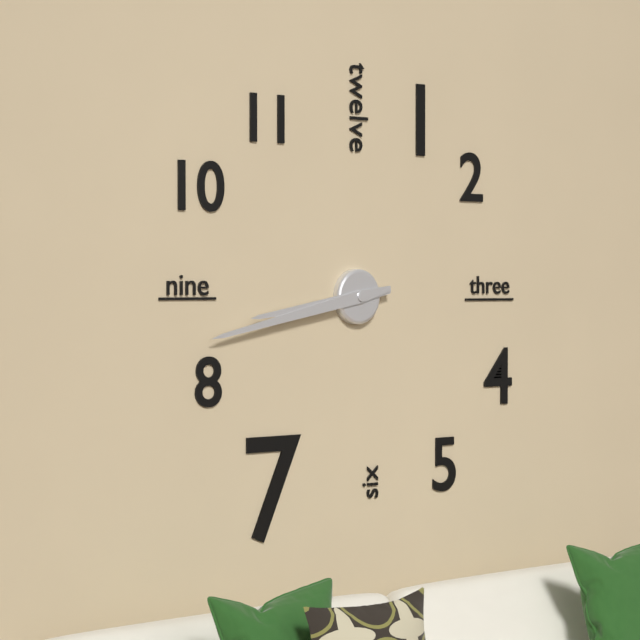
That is 8h43
